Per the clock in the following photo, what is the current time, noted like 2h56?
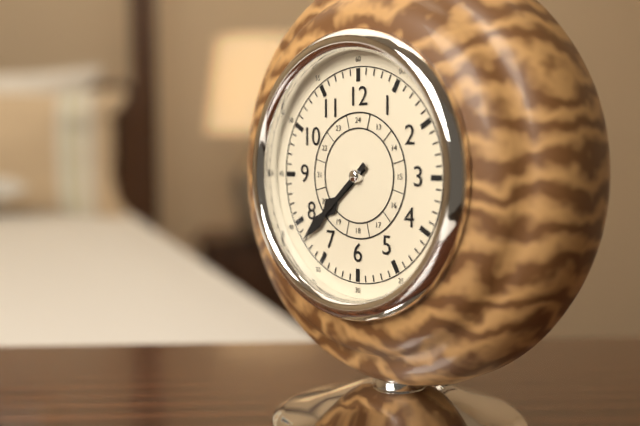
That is 7h38
